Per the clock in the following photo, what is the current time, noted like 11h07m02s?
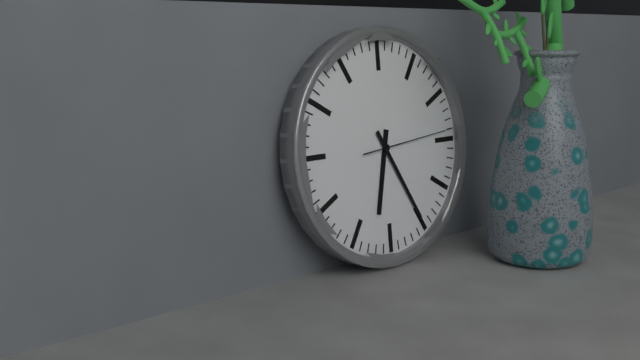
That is 6h25m14s
